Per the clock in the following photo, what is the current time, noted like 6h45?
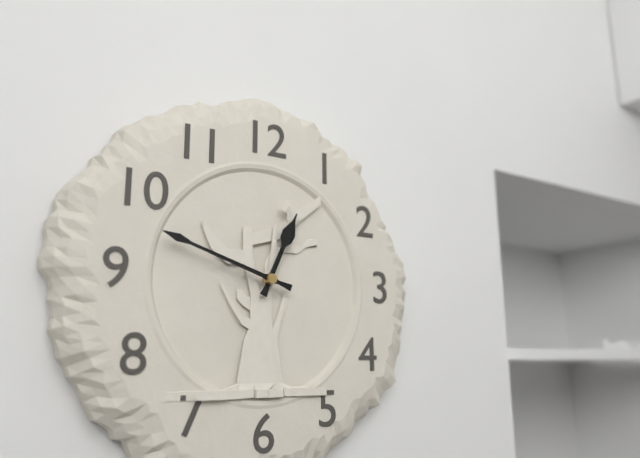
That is 12h48
